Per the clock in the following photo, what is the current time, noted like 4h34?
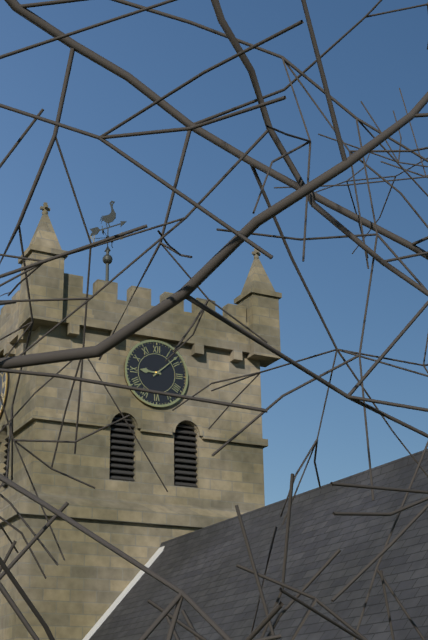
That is 9h08
